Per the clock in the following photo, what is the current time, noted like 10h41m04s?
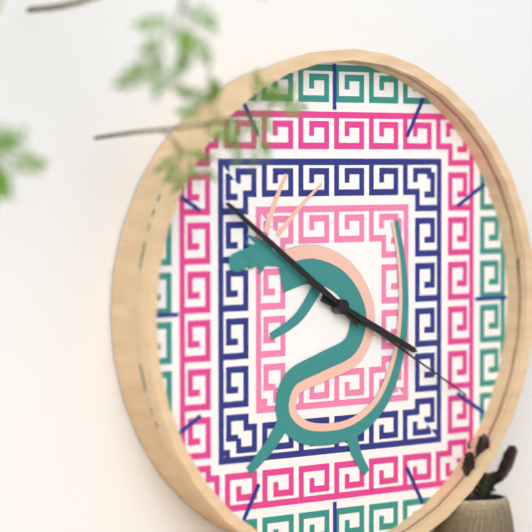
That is 3h51m20s
